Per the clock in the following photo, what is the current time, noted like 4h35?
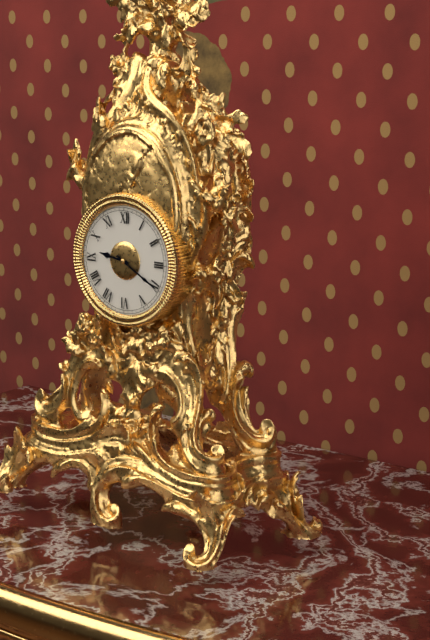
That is 9h20
